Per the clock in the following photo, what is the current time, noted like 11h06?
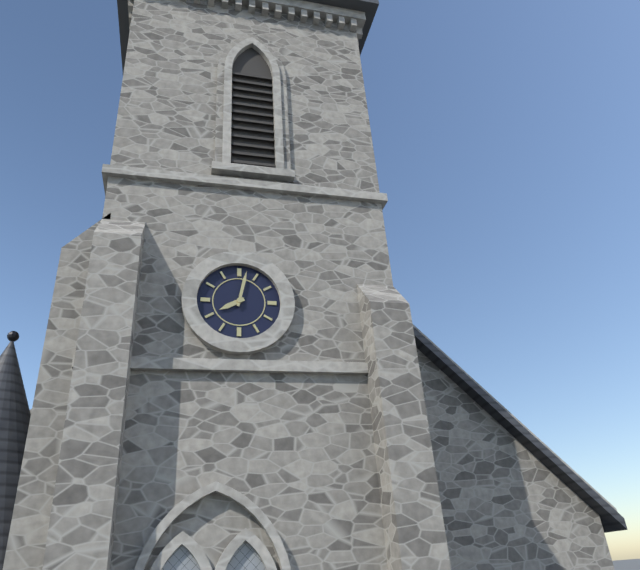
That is 8h02
